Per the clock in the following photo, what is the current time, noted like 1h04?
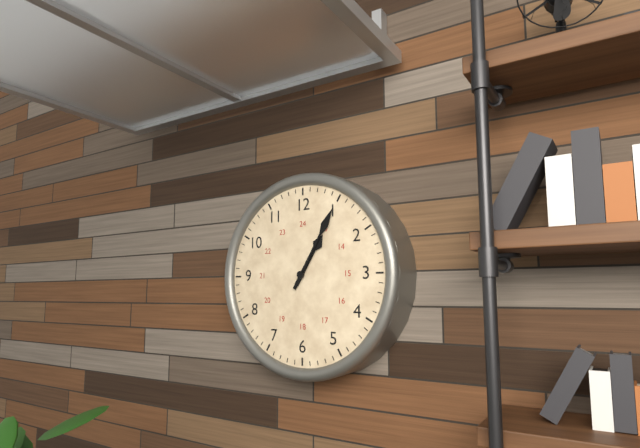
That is 1h05
